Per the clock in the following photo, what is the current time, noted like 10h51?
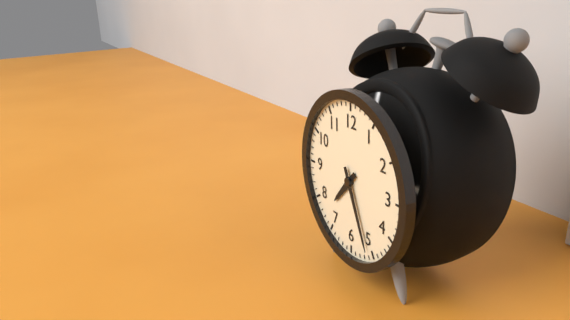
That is 7h26
